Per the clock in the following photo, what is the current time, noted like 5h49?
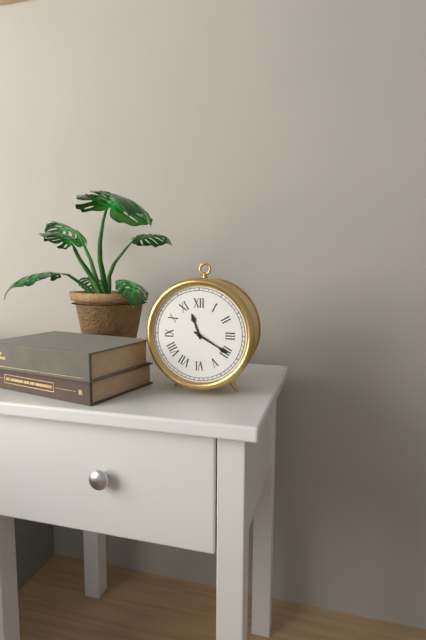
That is 11h20
